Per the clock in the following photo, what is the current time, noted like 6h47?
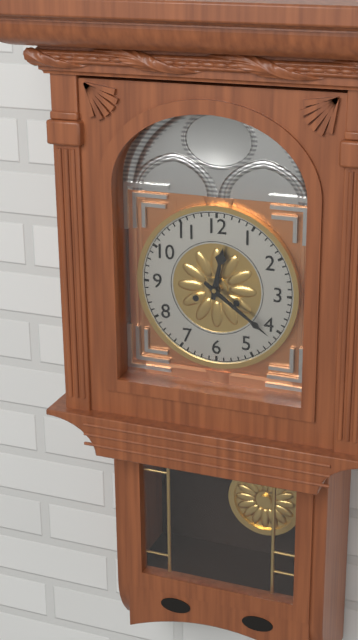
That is 12h21
